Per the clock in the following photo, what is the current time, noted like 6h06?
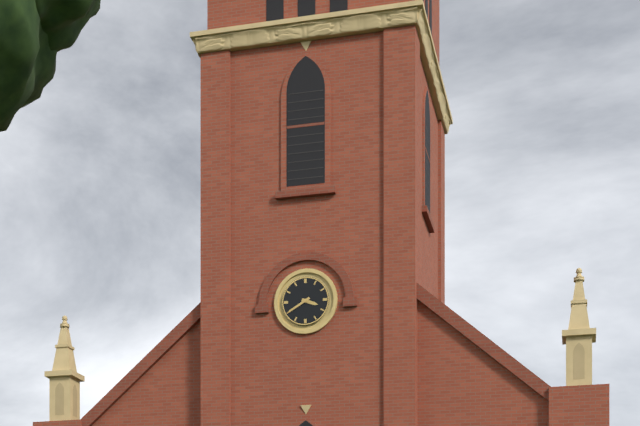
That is 3h40
